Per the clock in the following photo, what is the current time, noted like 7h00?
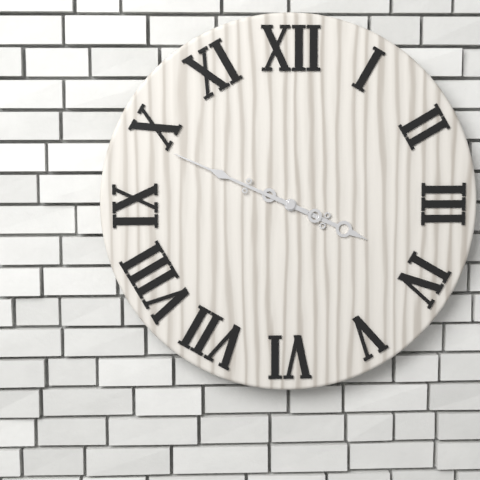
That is 3h49
